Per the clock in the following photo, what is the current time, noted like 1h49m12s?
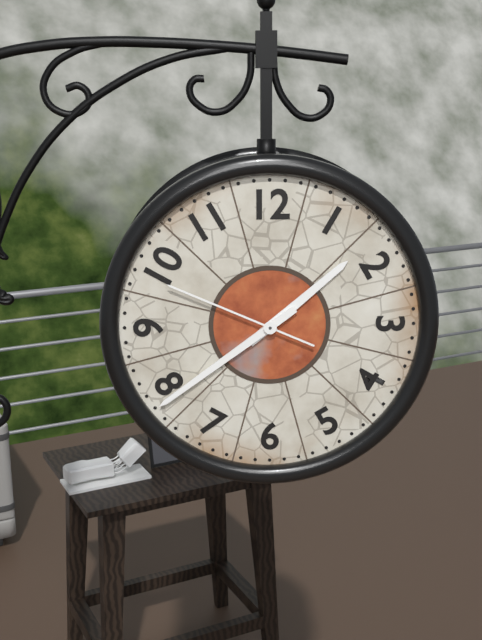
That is 1h39m49s
